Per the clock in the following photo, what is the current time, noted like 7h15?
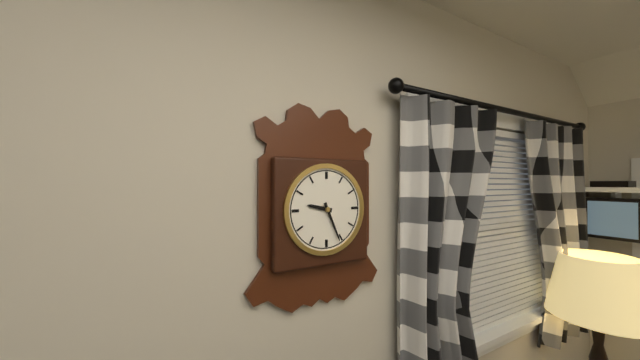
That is 9h26
